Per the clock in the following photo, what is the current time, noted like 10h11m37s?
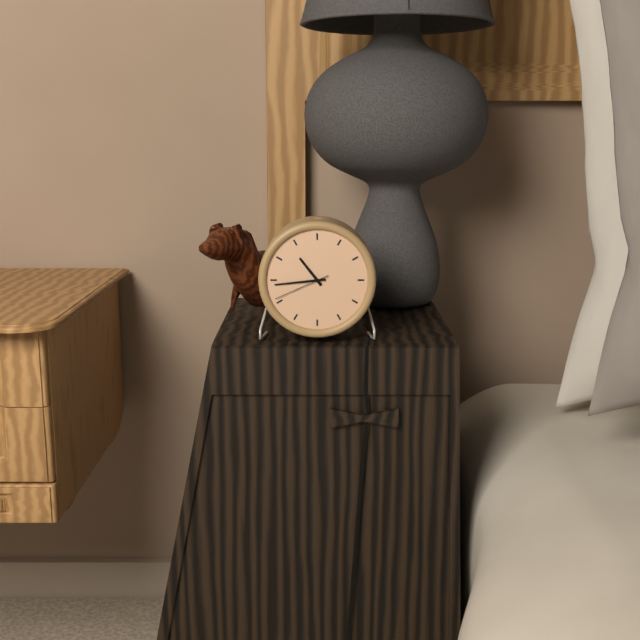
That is 10h44m41s
